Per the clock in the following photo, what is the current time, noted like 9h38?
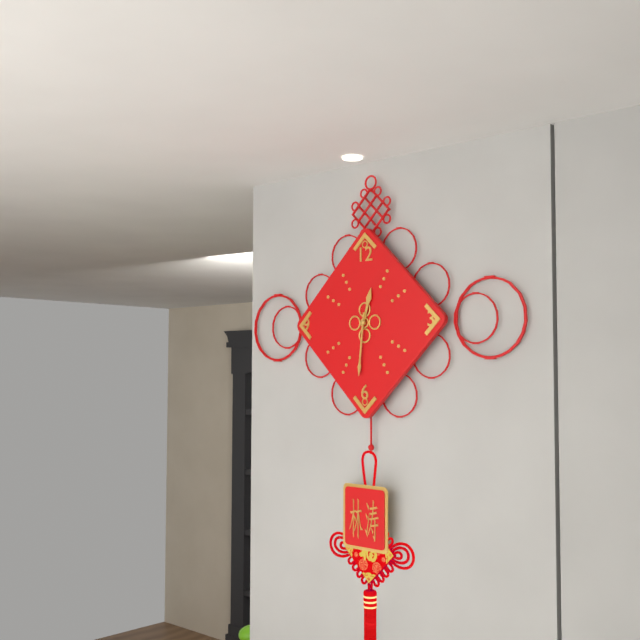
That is 12h31
